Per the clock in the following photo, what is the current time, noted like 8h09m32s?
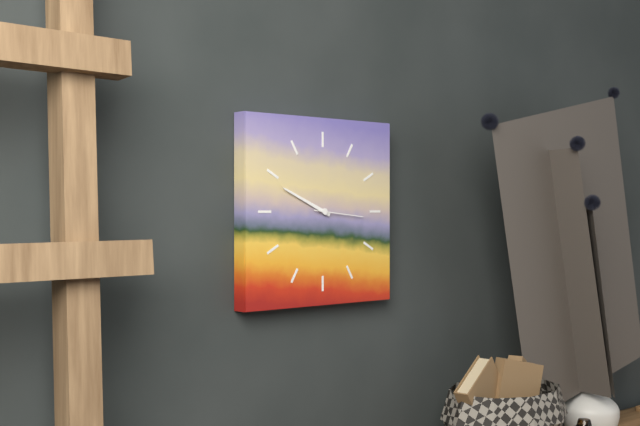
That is 9h49m16s
